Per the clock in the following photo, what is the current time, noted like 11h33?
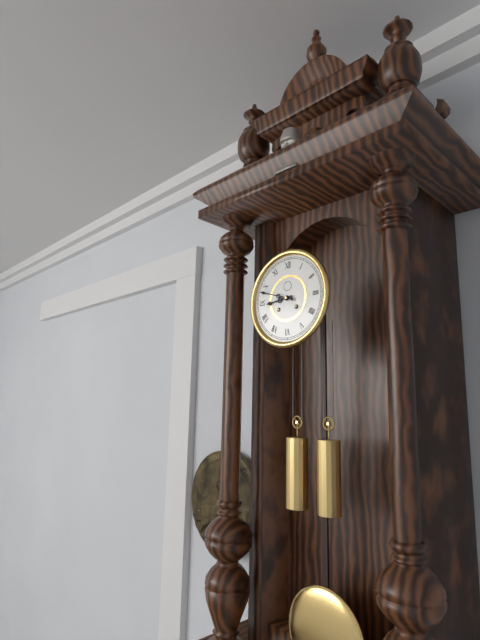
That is 8h48
